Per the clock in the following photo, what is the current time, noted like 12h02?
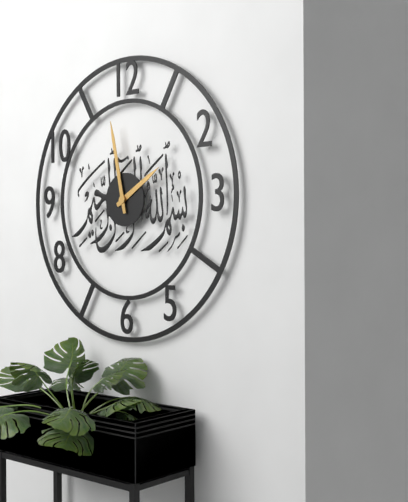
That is 1h58
